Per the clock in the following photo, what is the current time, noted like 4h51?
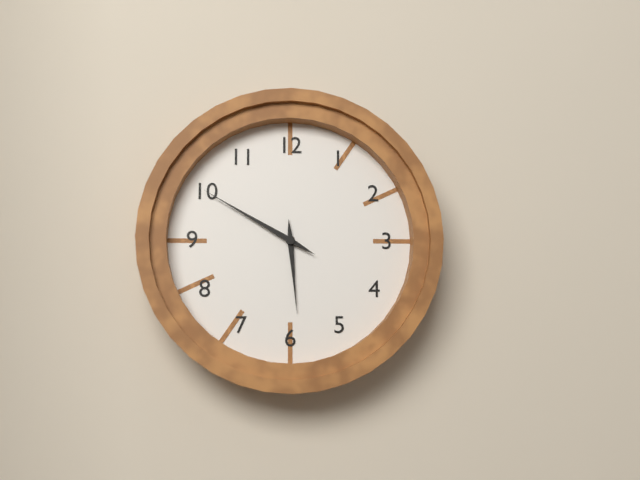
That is 5h50
